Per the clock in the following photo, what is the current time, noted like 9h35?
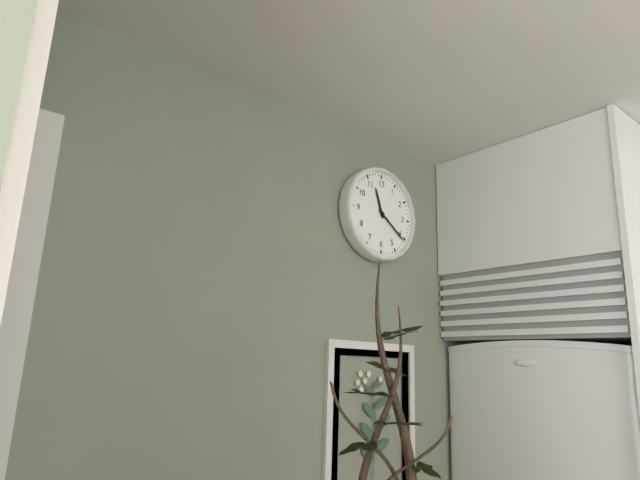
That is 11h21
